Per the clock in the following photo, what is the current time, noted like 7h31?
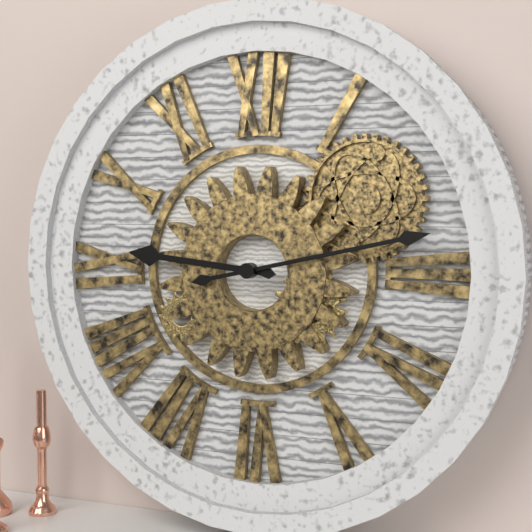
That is 9h13
